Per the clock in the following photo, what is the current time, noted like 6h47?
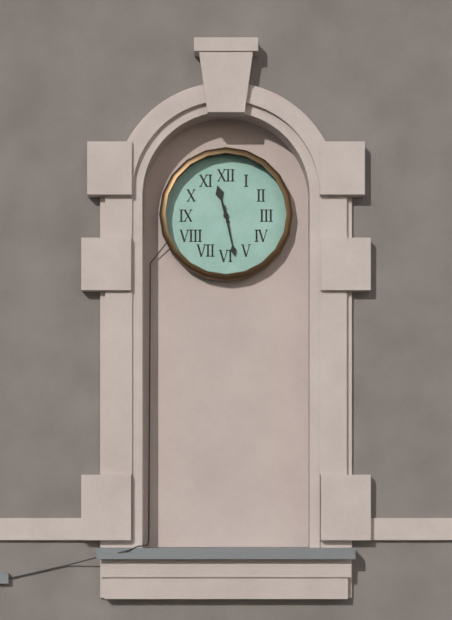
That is 11h28
